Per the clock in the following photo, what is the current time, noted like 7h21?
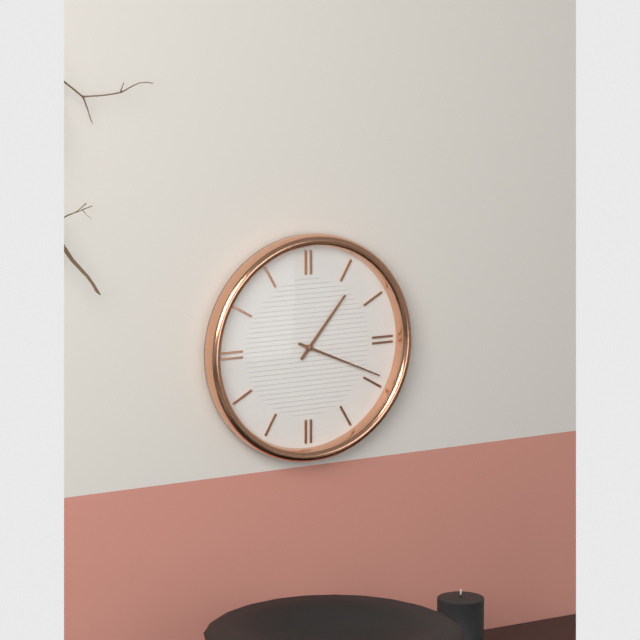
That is 1h19
